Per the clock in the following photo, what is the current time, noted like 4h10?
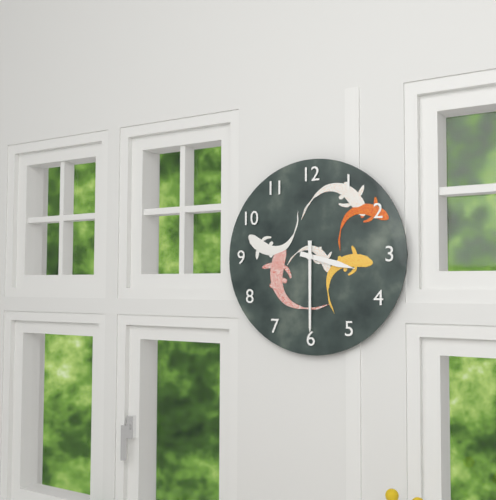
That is 3h30
